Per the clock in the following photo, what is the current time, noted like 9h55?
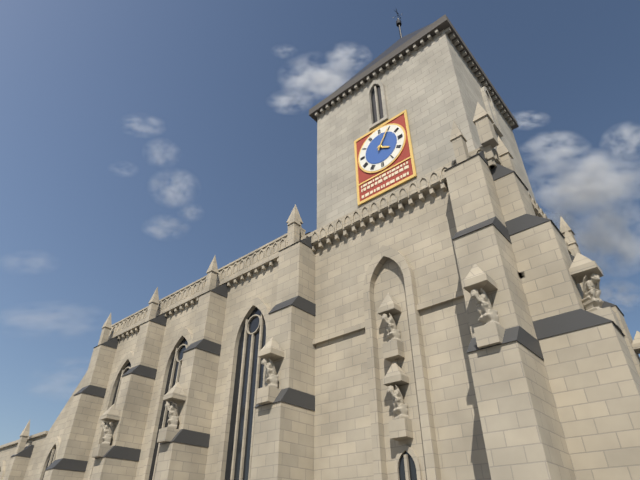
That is 4h05
